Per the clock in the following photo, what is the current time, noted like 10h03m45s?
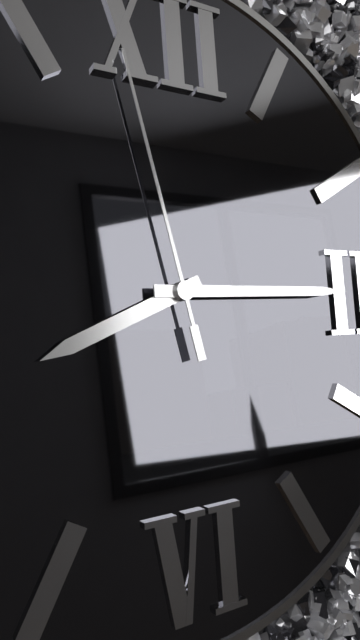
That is 8h15m58s
